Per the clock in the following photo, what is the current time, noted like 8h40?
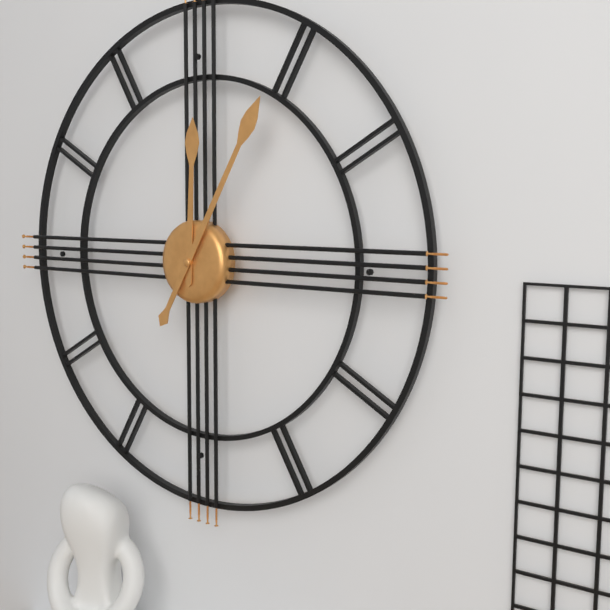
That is 12h05
